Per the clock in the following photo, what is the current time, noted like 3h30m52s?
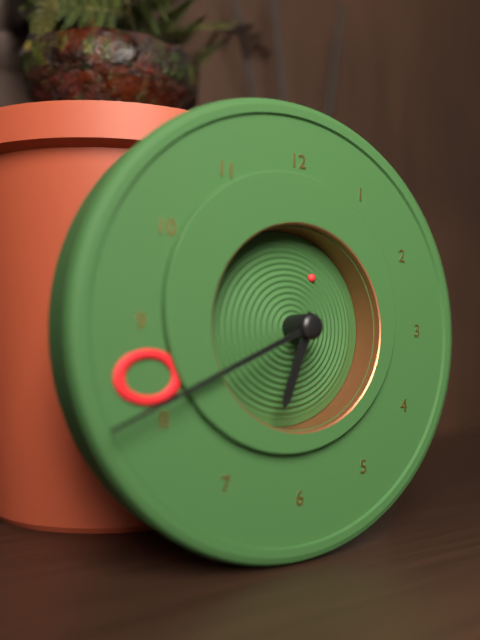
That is 6h41m05s
